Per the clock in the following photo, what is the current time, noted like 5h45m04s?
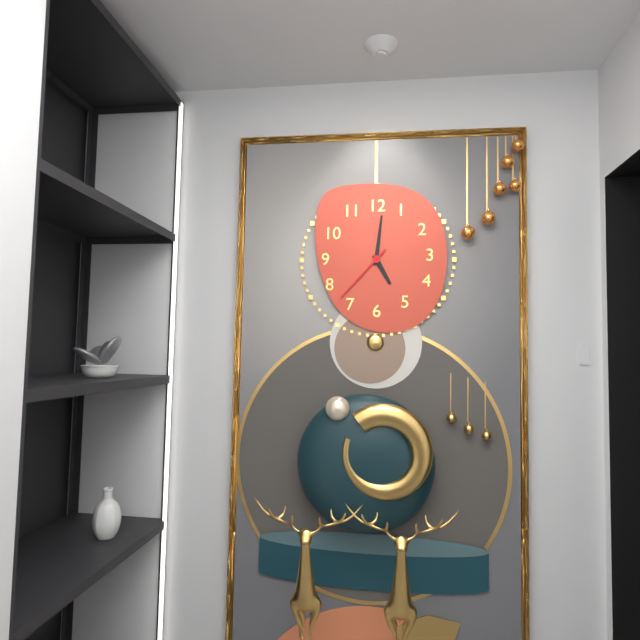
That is 5h01m37s
